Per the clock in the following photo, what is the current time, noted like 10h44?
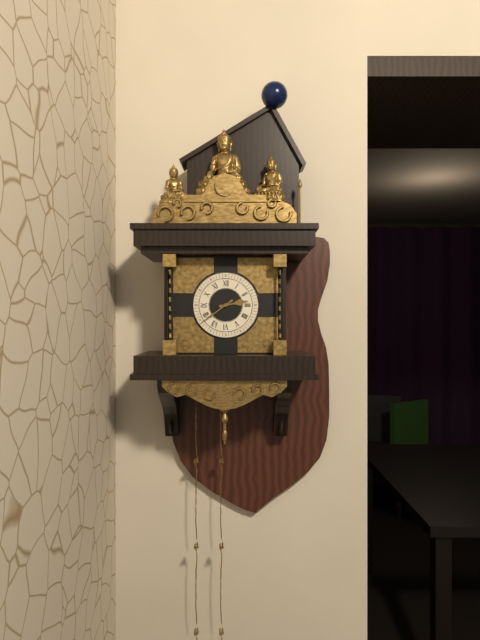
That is 2h39
